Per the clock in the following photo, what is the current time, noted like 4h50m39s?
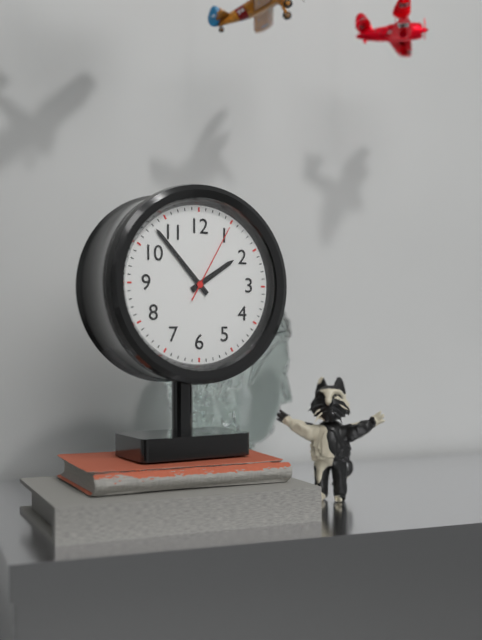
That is 1h53m05s
